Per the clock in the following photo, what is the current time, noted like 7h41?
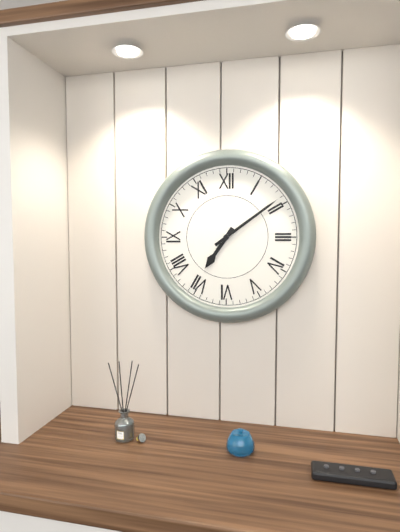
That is 7h09
